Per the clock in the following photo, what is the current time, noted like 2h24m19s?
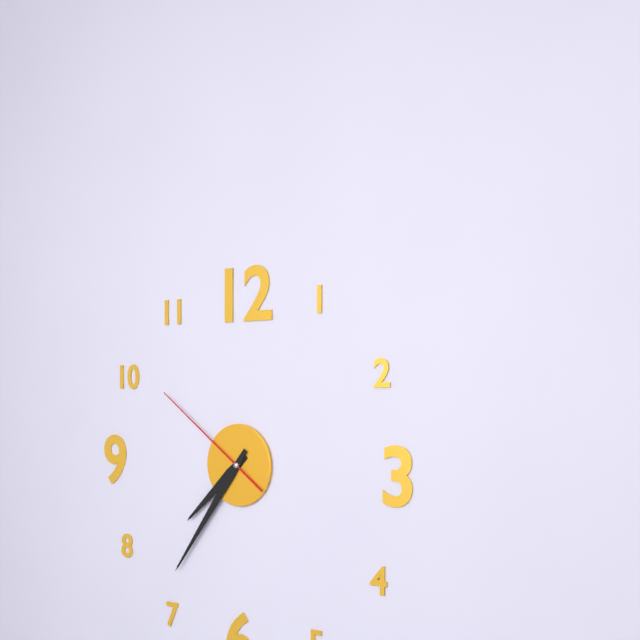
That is 7h36m51s
